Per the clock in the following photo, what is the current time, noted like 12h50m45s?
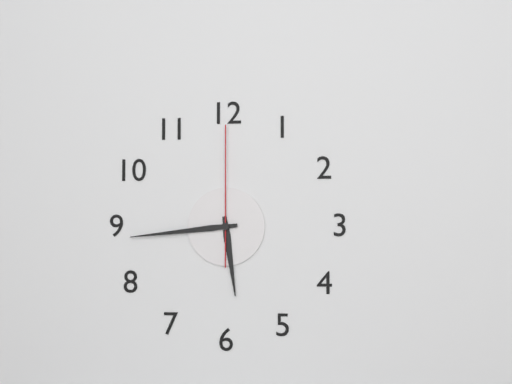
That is 5h44m00s
